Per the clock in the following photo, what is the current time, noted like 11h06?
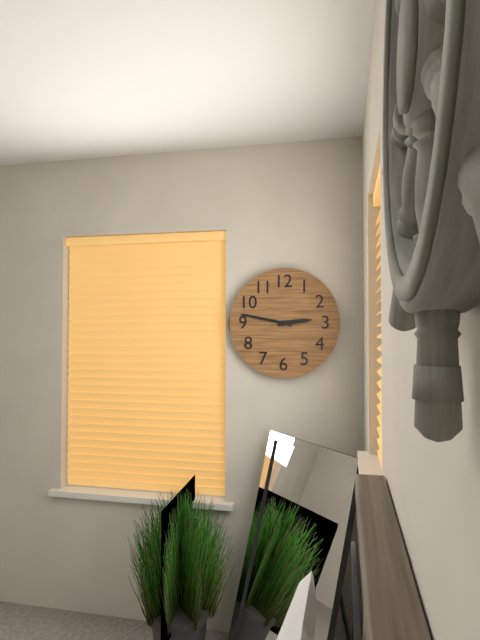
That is 2h47
